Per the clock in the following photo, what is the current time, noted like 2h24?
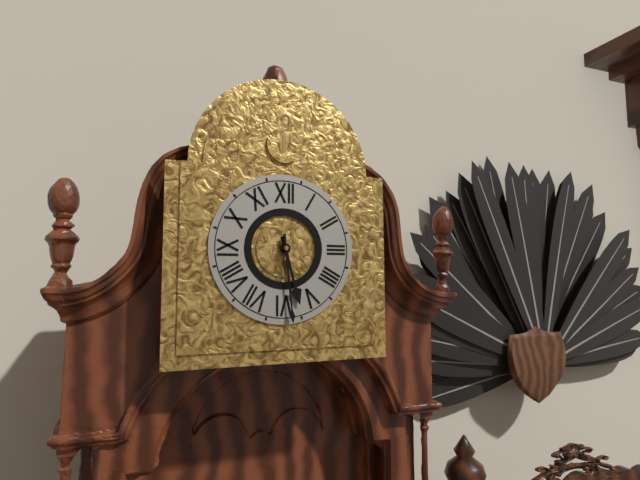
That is 5h29
